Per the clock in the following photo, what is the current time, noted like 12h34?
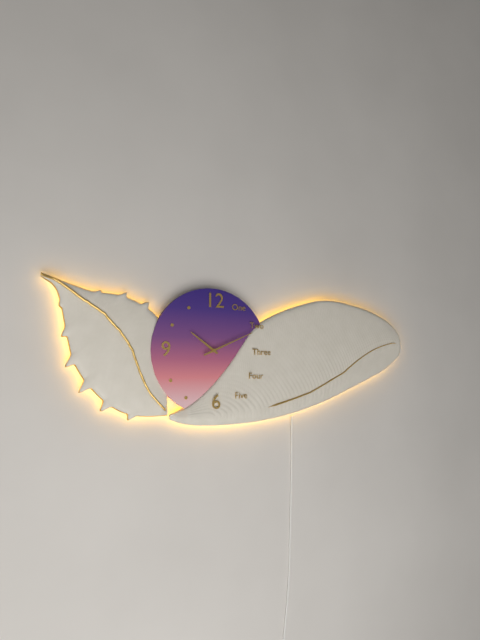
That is 10h11
